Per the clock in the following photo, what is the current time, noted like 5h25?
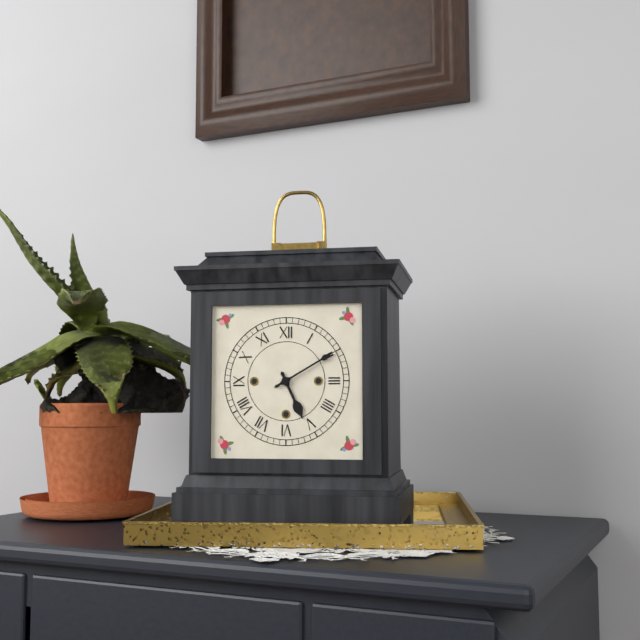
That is 5h10
